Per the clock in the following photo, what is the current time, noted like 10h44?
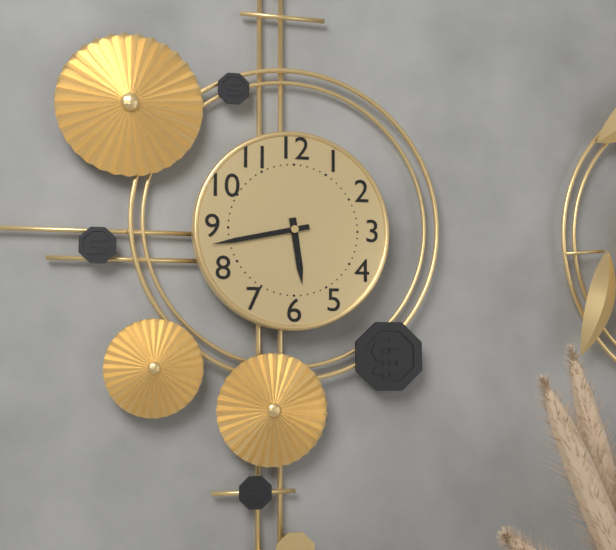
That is 5h43
